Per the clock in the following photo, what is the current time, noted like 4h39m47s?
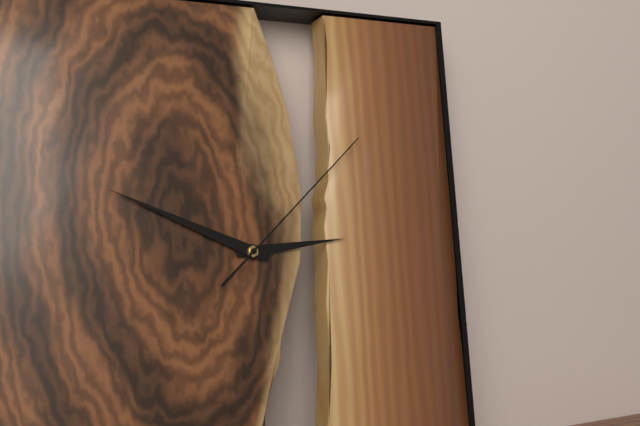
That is 2h49m08s
